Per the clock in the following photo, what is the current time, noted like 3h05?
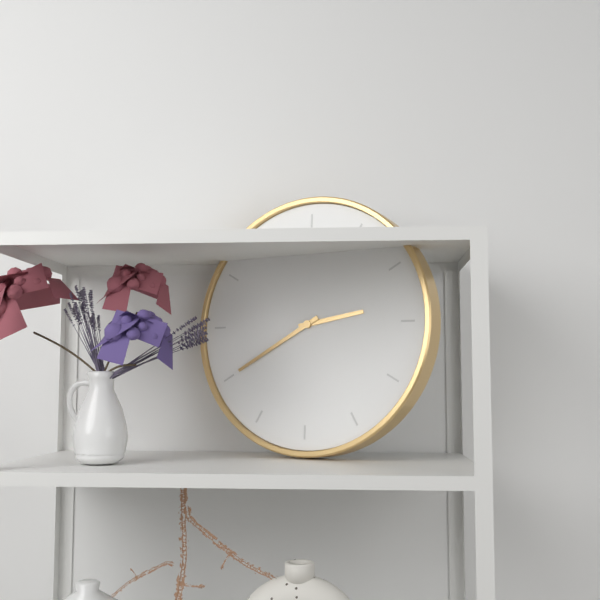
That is 2h40
